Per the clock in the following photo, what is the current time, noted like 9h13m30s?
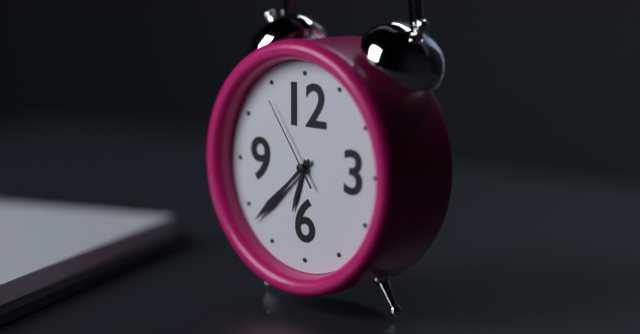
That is 6h38m54s
